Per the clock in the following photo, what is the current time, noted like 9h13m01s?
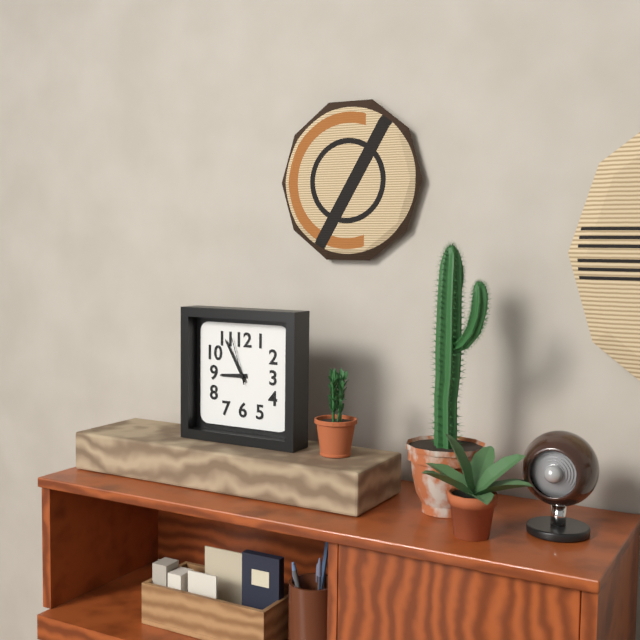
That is 8h55m57s
